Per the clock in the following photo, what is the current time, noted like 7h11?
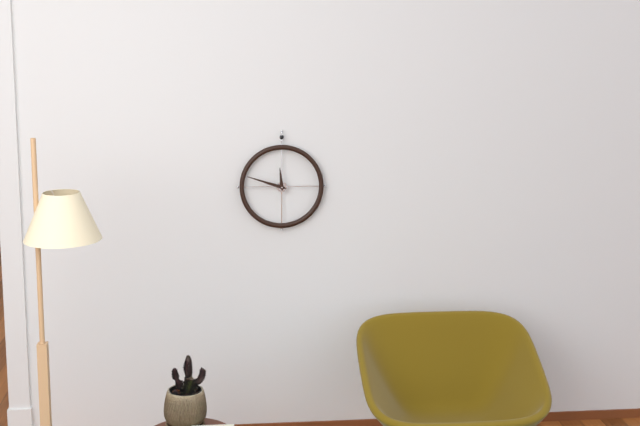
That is 11h48
